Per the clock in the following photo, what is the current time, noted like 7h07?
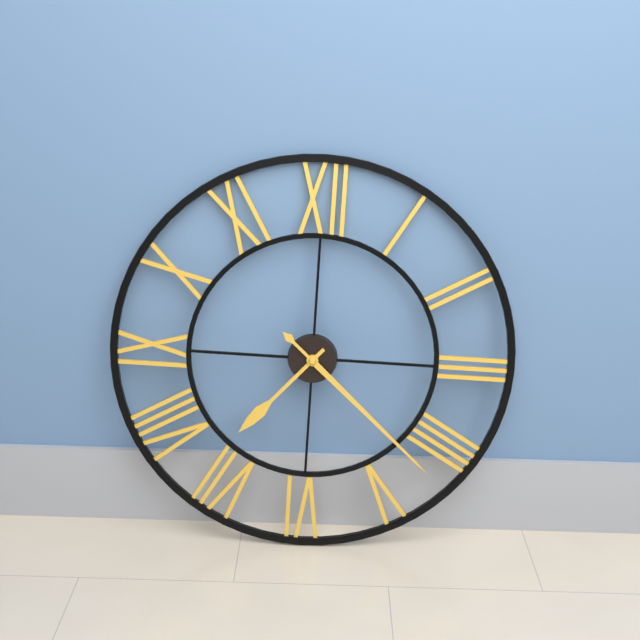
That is 7h22
